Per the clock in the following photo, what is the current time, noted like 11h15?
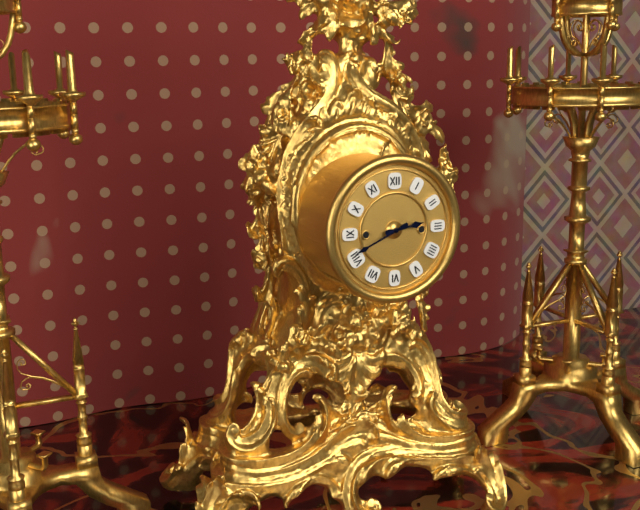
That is 2h41
